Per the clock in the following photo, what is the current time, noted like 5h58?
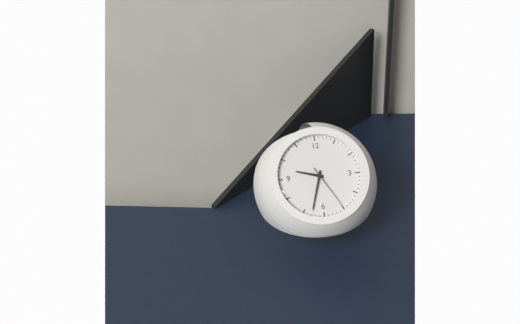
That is 9h33
